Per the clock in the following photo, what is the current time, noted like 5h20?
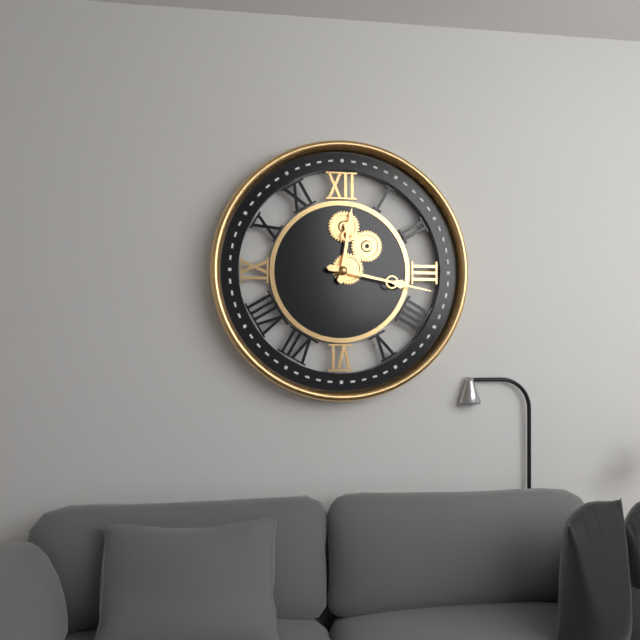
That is 12h17
